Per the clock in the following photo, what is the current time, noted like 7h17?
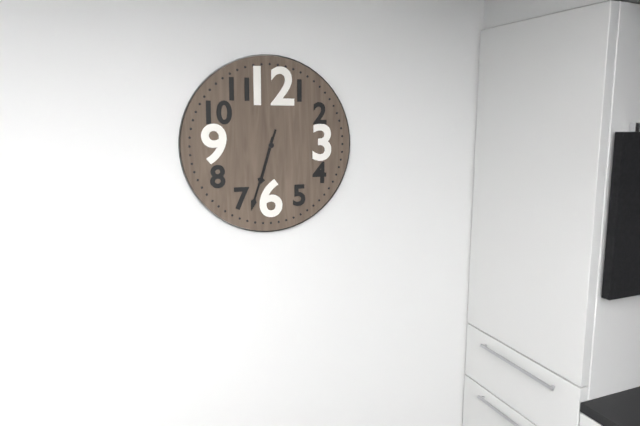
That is 6h33
